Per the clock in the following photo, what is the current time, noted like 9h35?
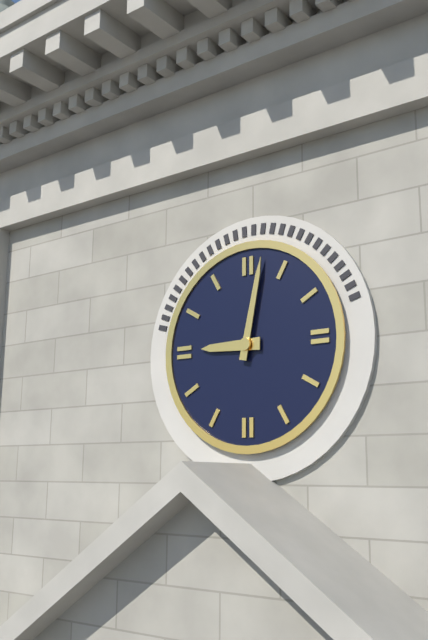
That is 9h02
